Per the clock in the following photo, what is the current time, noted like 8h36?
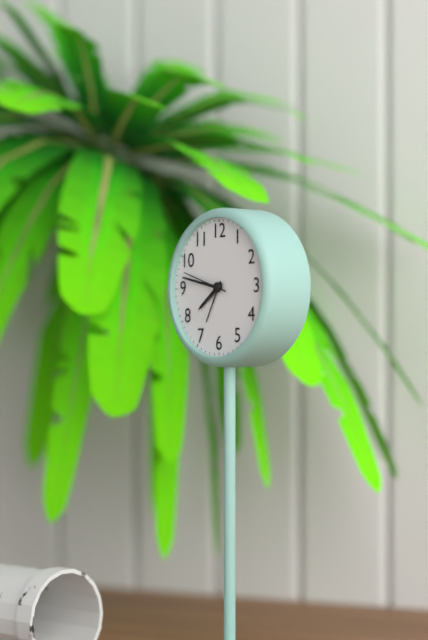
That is 7h47
